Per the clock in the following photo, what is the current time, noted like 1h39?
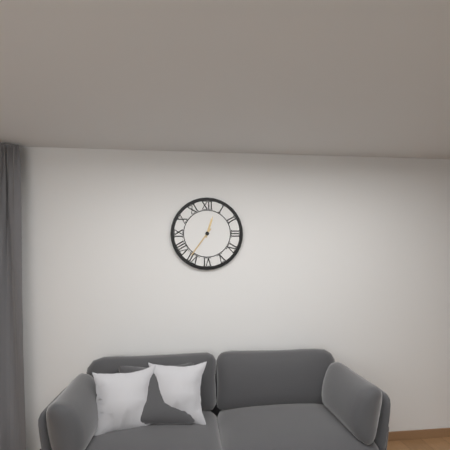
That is 12h36
